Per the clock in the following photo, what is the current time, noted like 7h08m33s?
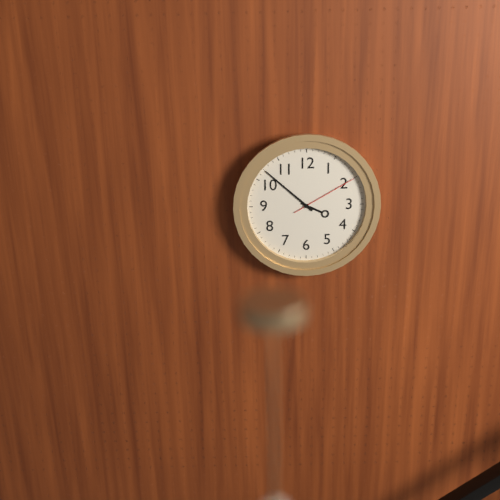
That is 3h52m10s
